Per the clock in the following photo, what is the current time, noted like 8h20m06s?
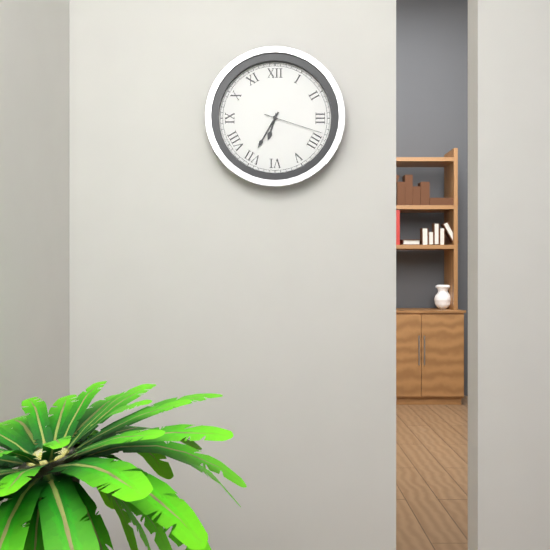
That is 6h35m18s
